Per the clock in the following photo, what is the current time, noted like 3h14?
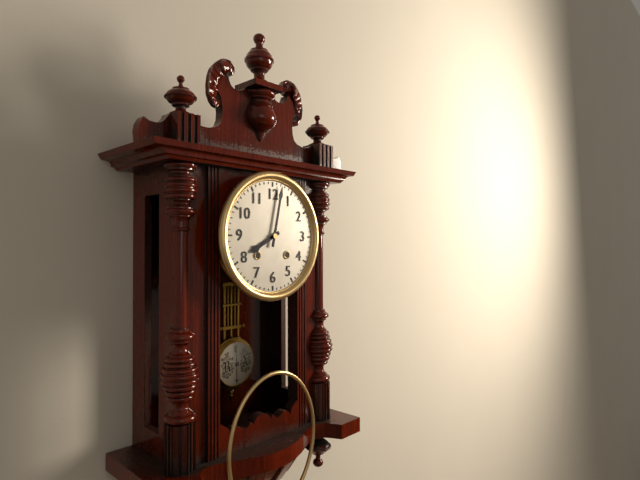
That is 8h02
